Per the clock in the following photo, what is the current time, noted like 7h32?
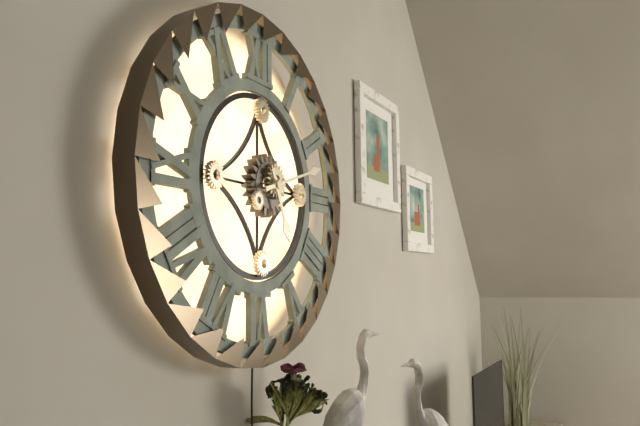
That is 5h12
